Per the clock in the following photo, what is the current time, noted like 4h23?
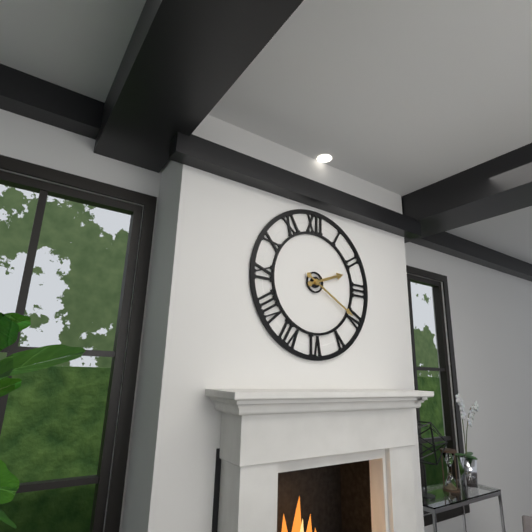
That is 2h20
